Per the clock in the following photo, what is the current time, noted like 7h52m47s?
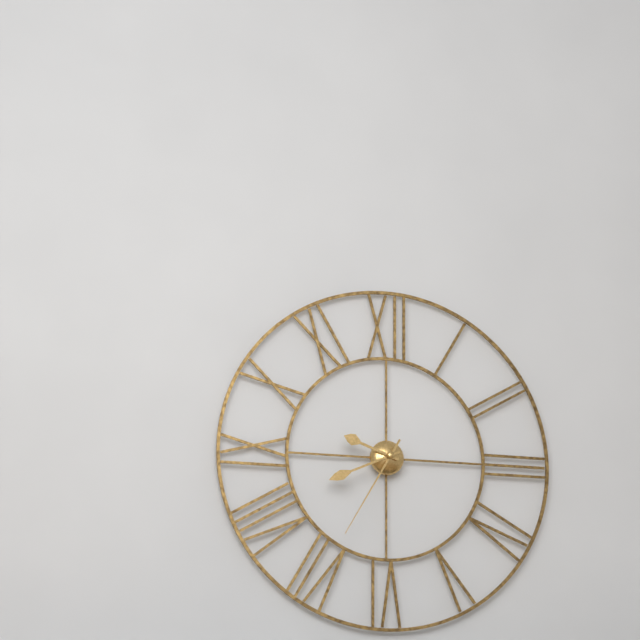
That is 9h41m35s
